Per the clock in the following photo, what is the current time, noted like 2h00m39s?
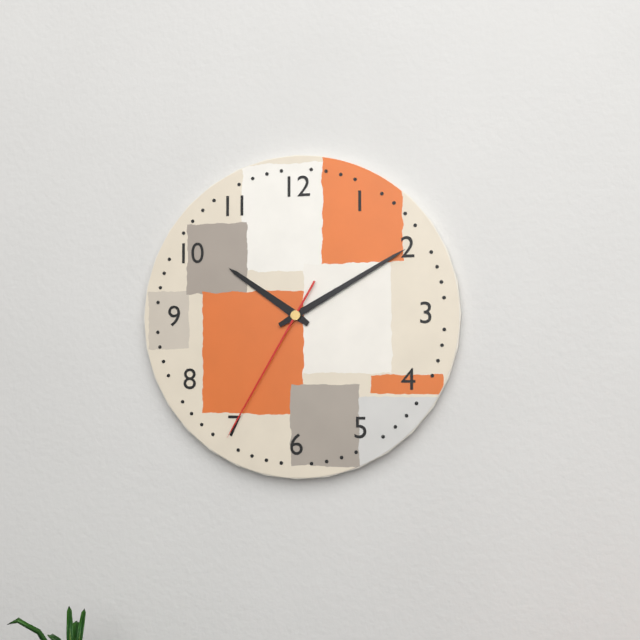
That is 10h10m35s
